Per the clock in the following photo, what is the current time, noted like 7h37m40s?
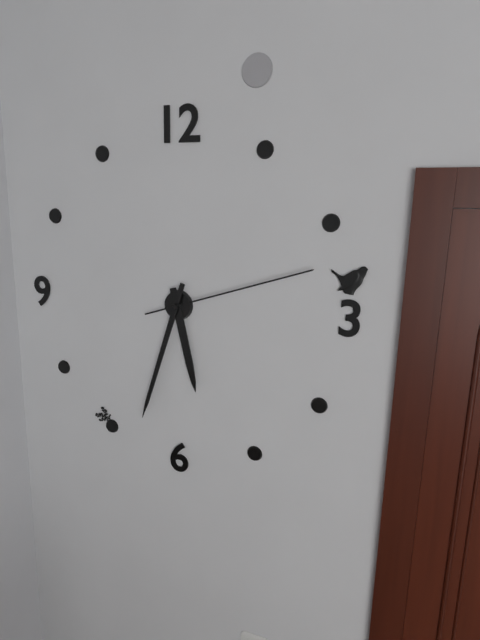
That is 5h33m12s
